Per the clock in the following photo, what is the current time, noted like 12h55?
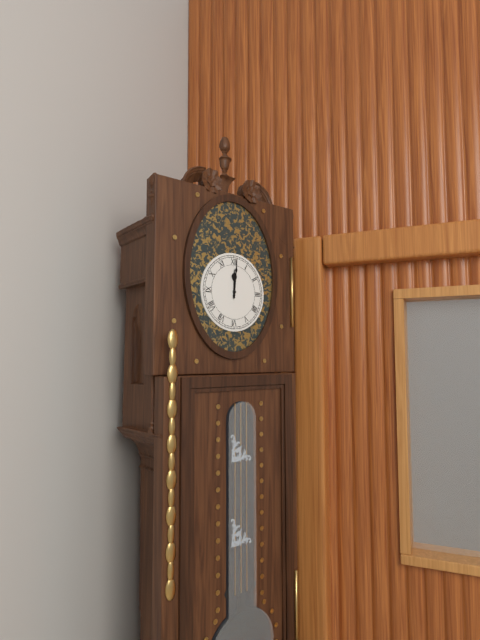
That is 12h01
